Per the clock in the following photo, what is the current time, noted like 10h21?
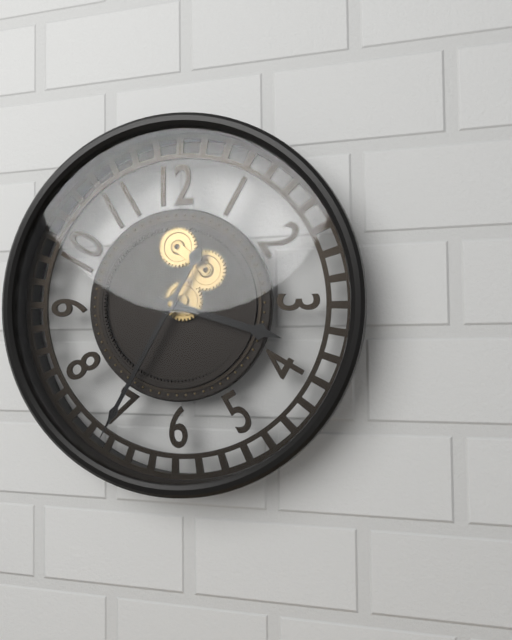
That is 3h35
